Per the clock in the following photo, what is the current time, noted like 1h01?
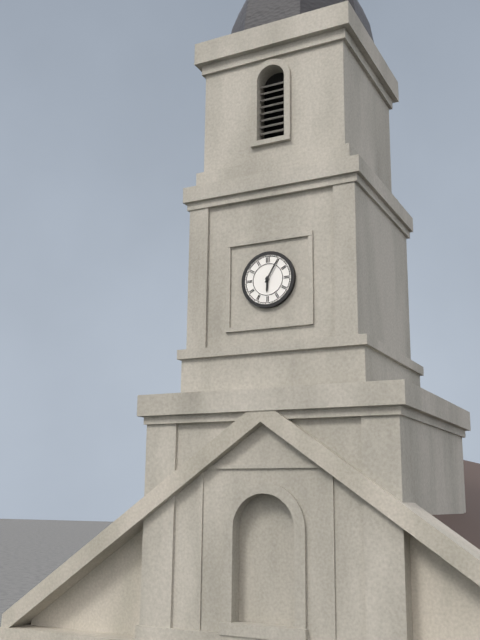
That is 6h05
